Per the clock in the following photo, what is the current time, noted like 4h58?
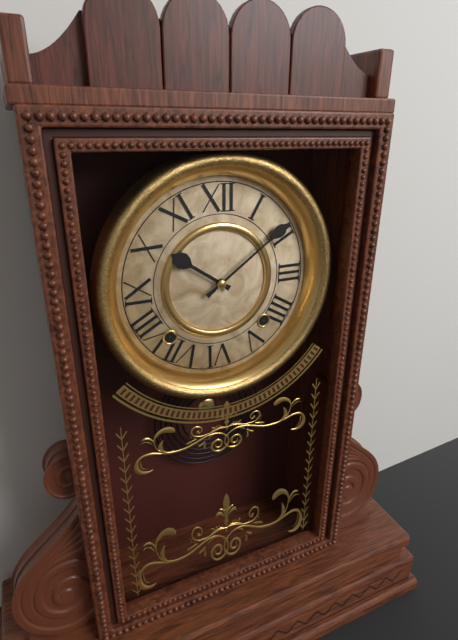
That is 10h09
